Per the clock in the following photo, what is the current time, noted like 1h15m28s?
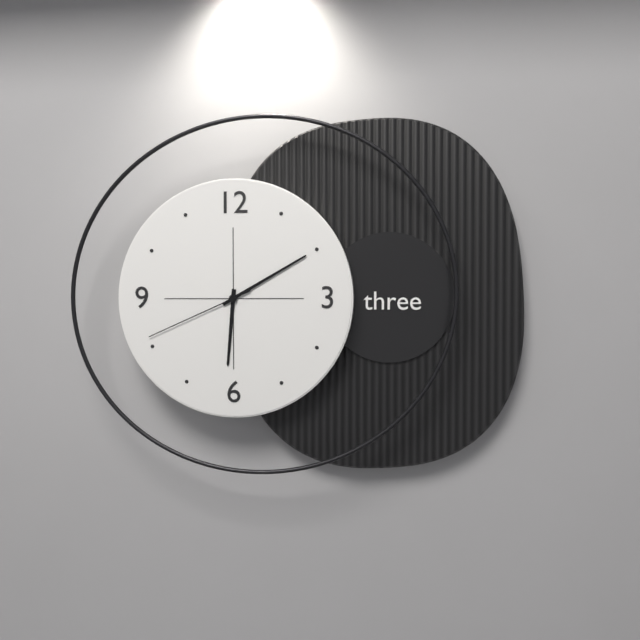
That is 6h10m41s
